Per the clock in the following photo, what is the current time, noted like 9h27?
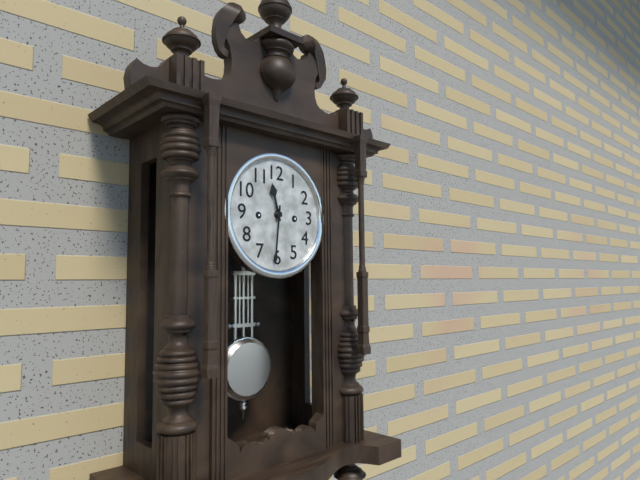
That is 11h31
